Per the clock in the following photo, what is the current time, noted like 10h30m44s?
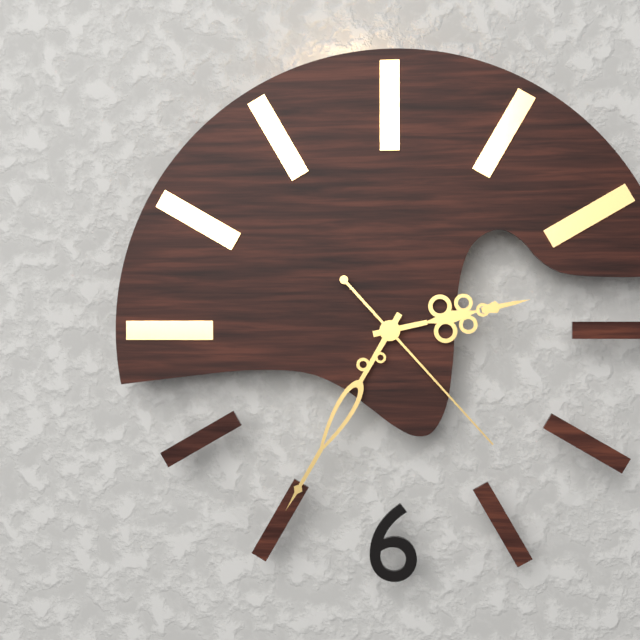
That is 2h35m23s
